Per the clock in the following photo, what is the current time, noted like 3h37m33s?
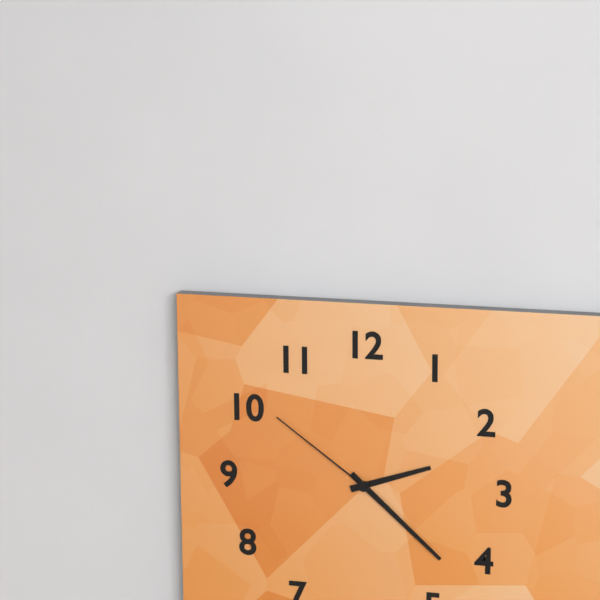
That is 2h22m51s
